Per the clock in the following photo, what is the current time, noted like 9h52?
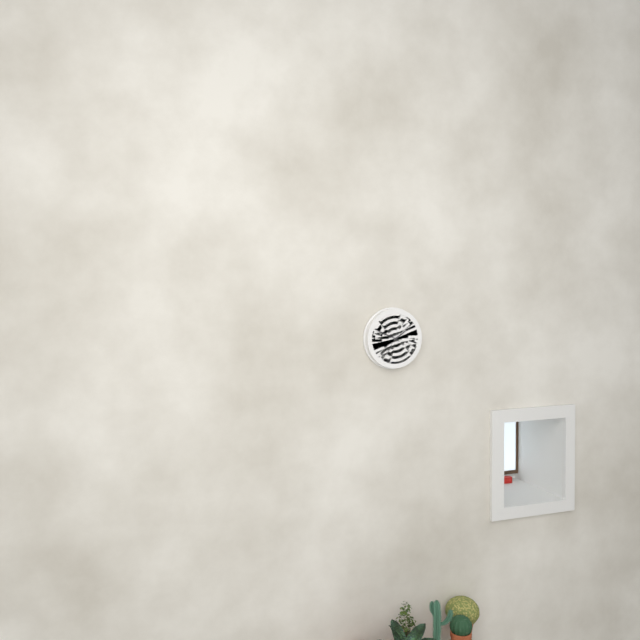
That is 1h49
